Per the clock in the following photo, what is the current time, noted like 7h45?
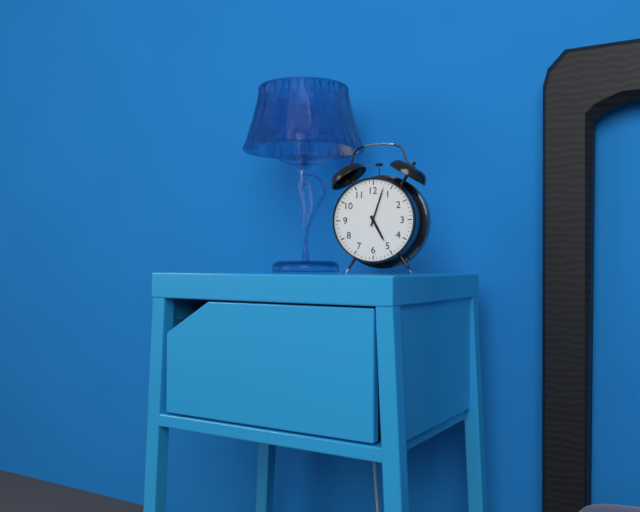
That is 5h03
